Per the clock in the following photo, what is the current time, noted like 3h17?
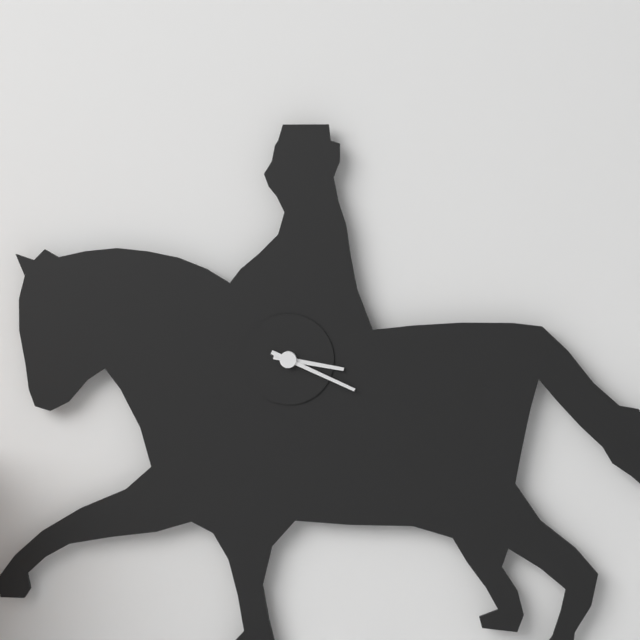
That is 3h19
